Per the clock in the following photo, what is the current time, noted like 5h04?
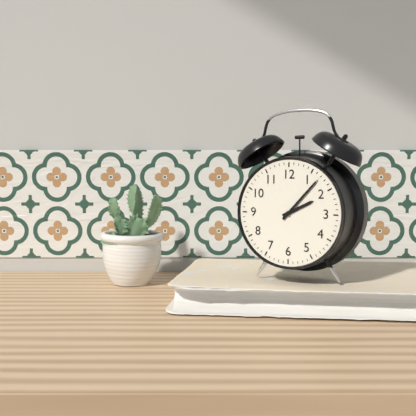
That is 2h07
